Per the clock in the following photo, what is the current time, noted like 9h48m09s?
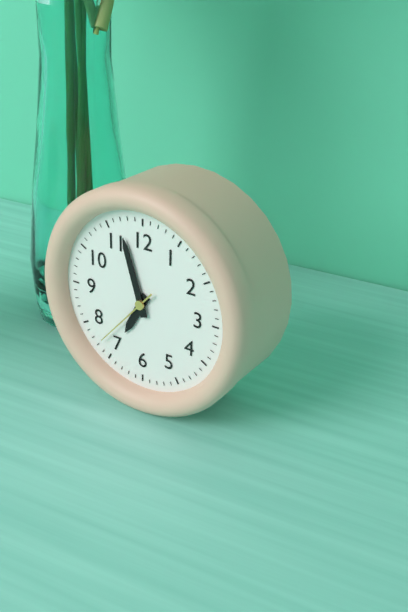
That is 6h57m37s
